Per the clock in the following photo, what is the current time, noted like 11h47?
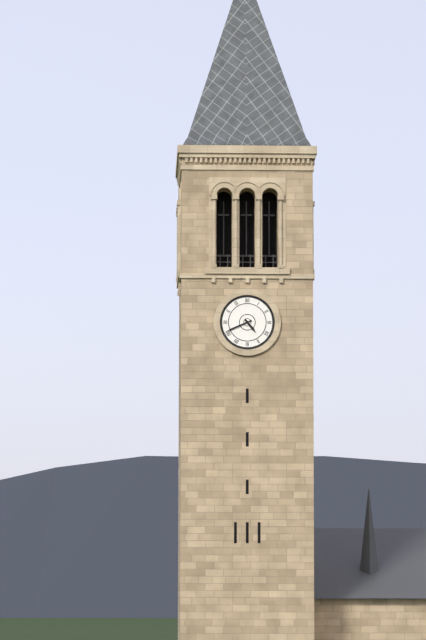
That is 4h41
